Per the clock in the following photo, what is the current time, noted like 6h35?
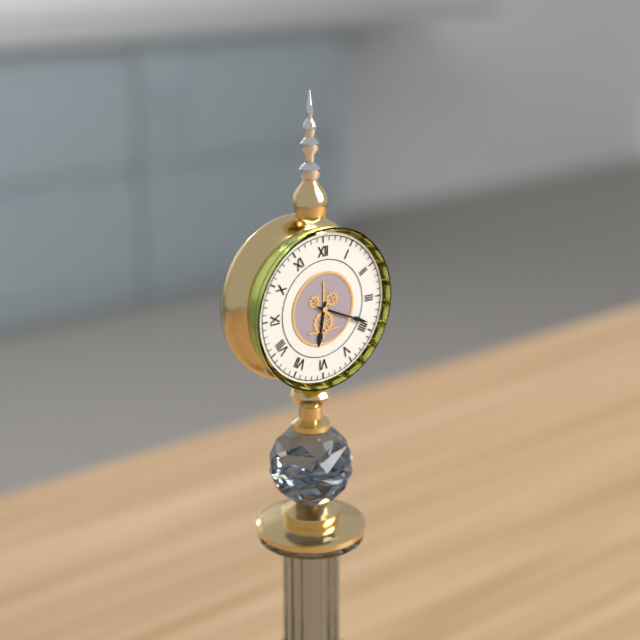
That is 6h19
